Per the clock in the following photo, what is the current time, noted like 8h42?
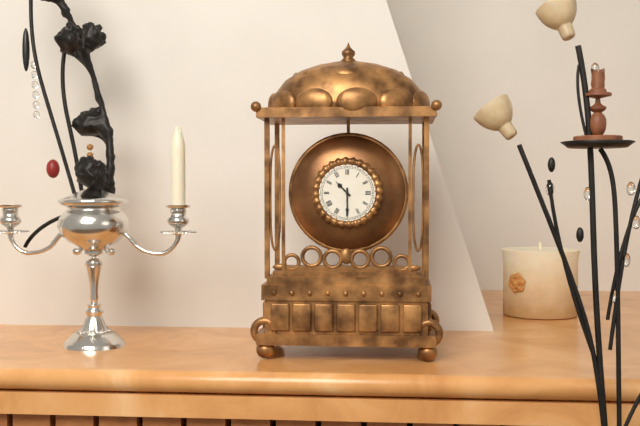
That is 10h30
